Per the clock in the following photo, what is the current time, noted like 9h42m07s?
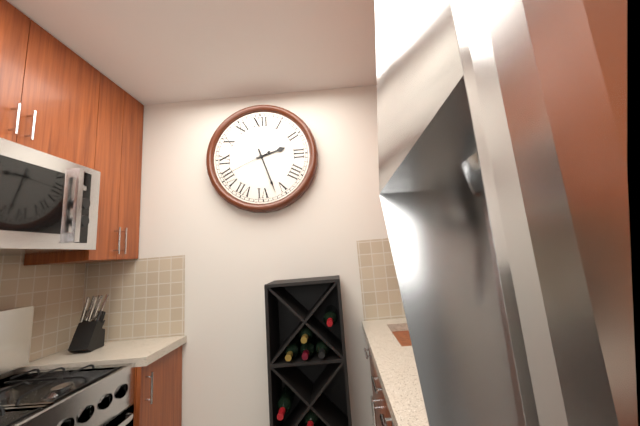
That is 2h27m41s
